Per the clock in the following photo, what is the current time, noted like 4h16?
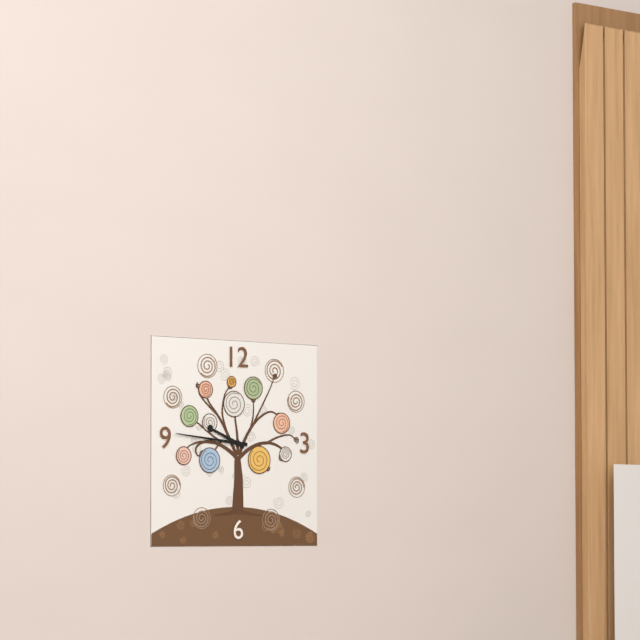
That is 9h46
